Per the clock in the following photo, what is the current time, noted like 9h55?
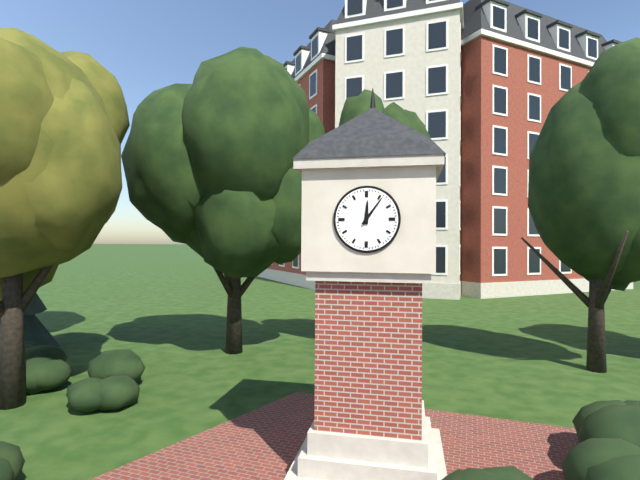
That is 12h06
